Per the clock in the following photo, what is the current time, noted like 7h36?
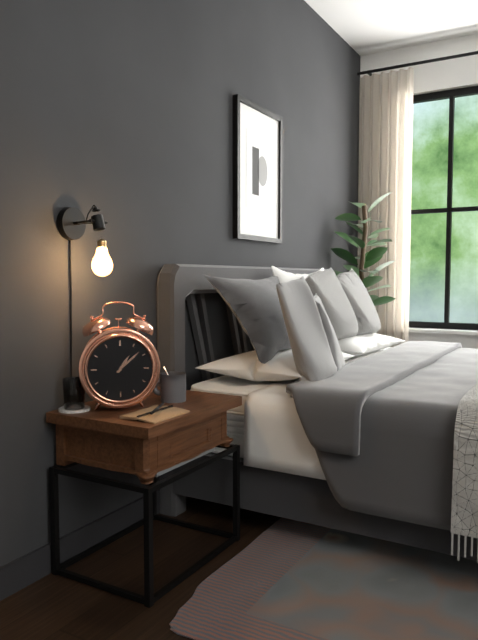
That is 1h08
